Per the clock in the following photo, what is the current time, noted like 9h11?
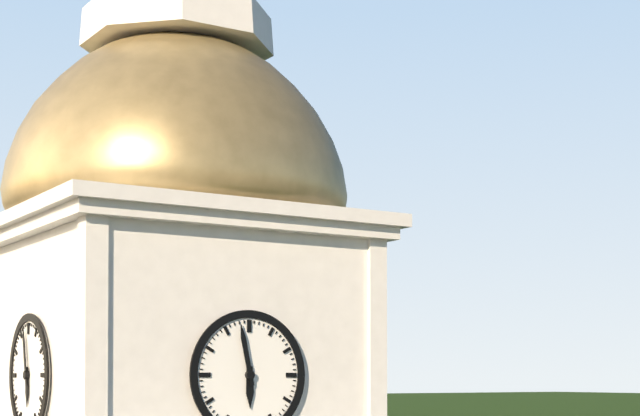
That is 5h58
